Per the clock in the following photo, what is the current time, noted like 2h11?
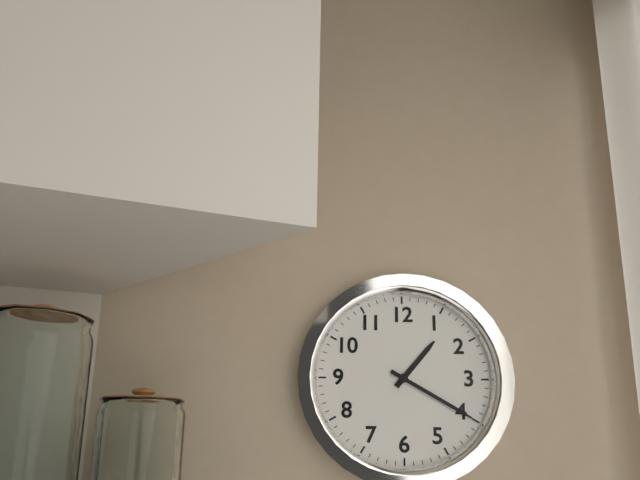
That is 1h20
